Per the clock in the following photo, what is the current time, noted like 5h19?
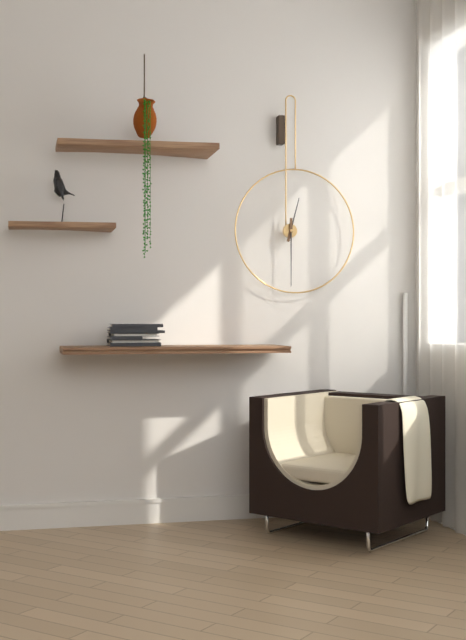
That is 12h30
